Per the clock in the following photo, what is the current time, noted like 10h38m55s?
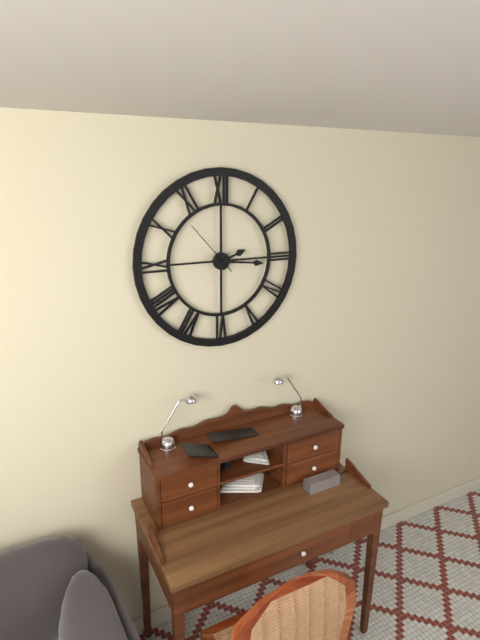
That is 2h16m53s
